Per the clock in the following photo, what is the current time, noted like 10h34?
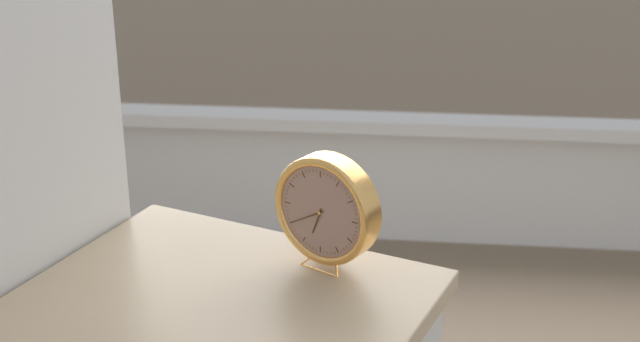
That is 6h40
